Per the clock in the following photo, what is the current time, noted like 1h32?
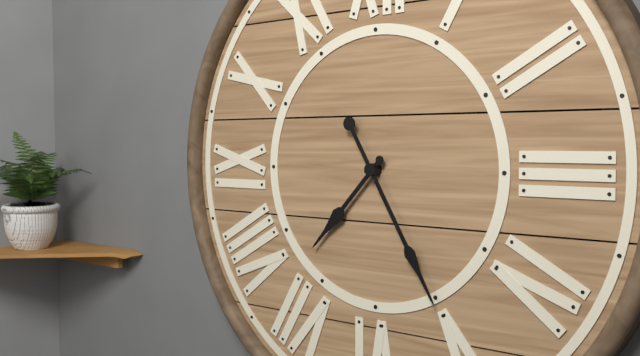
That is 7h25
